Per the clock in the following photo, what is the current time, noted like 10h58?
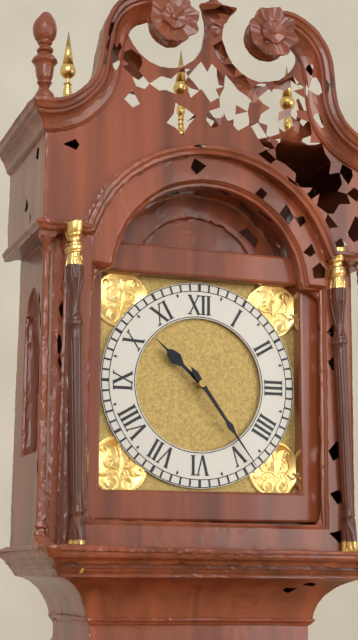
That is 10h24
